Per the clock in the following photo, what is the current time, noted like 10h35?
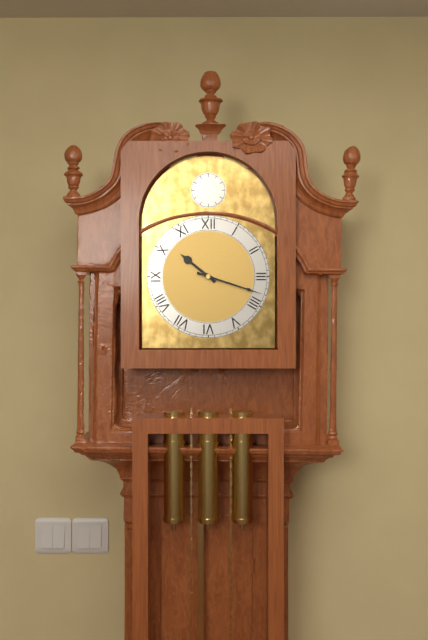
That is 10h18
